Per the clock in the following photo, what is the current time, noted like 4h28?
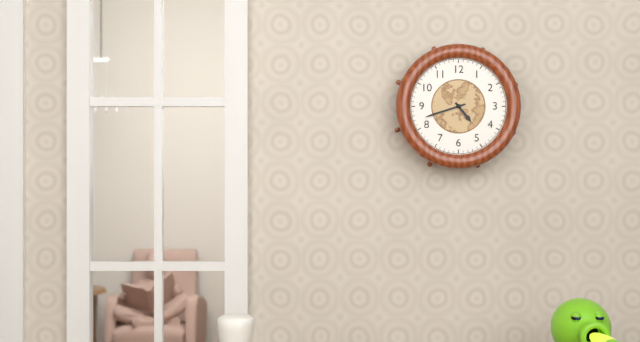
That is 4h42
